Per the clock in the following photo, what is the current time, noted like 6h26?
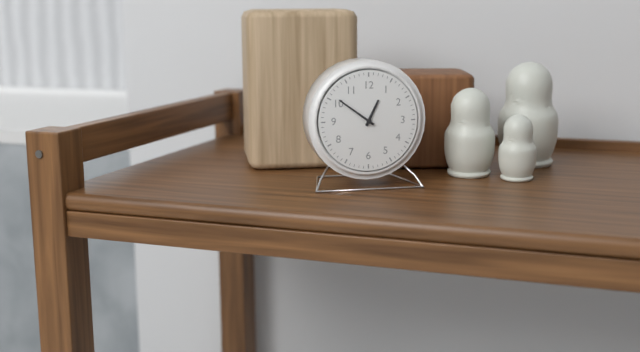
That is 12h51
